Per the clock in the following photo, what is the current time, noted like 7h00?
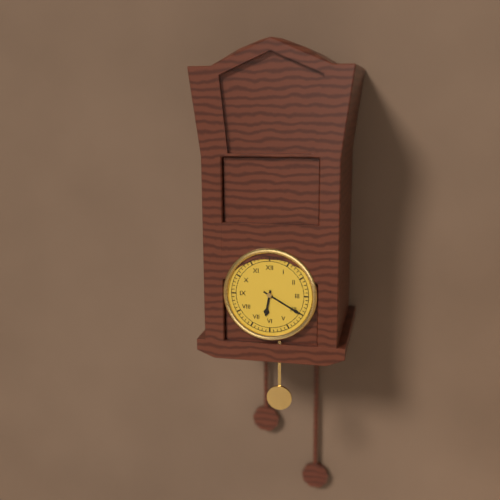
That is 6h20
